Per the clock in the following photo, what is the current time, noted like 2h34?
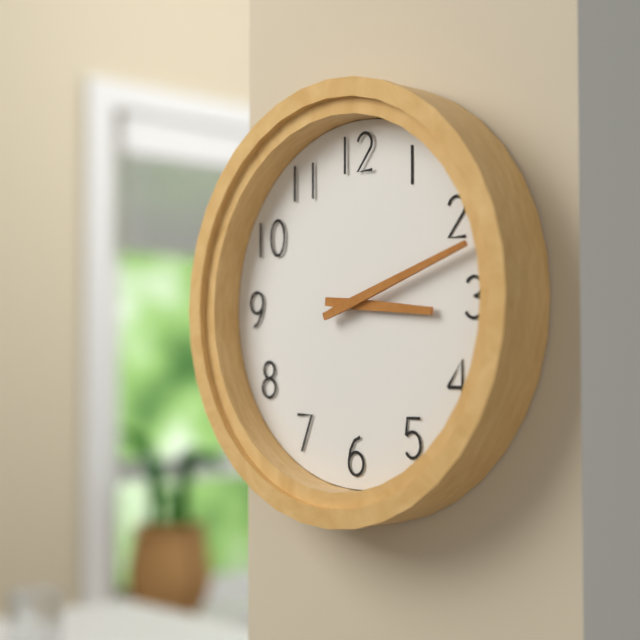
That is 3h12
